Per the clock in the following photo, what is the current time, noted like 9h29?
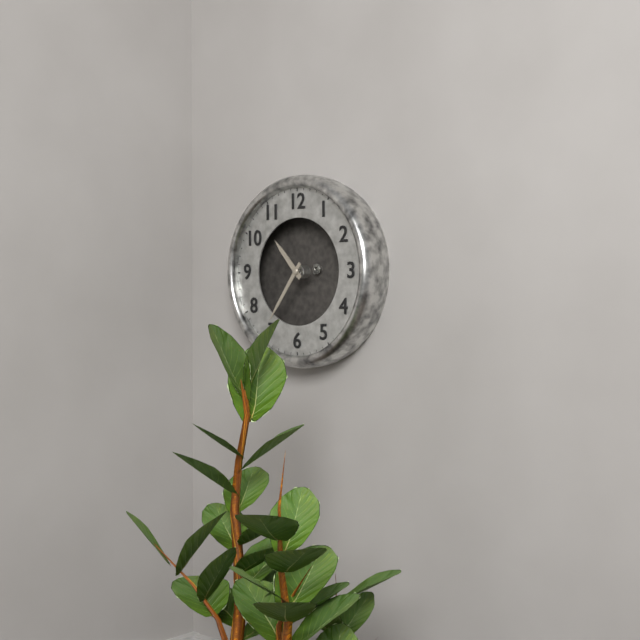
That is 10h36
